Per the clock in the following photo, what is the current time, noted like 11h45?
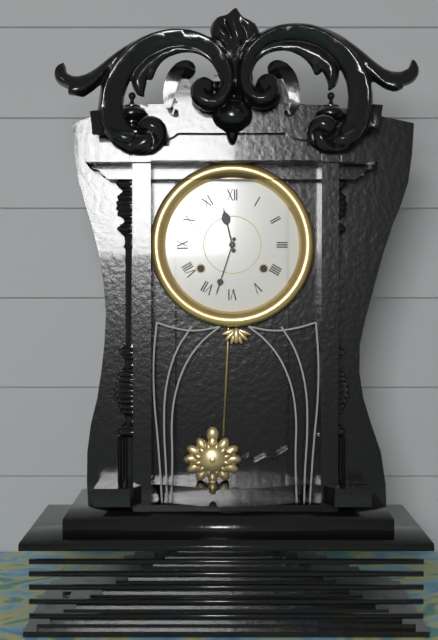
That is 11h33
